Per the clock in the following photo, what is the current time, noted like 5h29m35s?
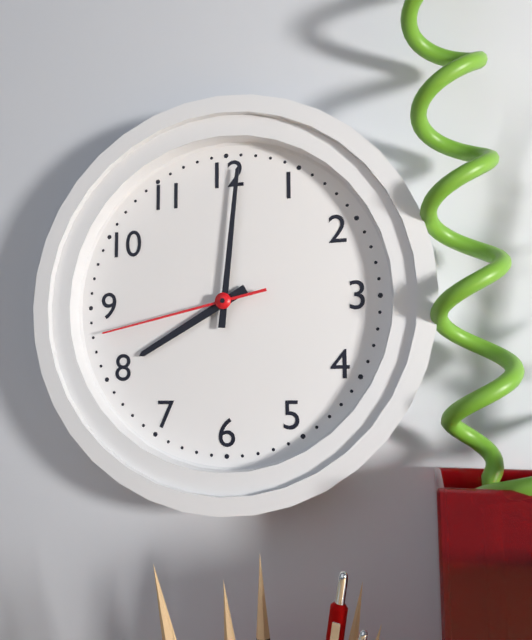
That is 8h01m43s
